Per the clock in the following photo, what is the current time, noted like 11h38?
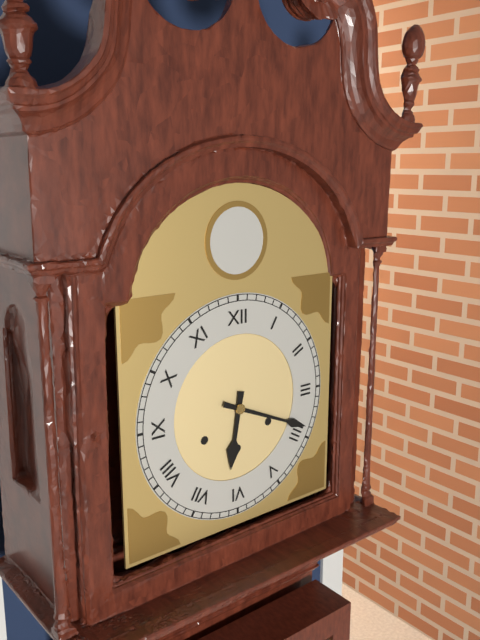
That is 6h19
